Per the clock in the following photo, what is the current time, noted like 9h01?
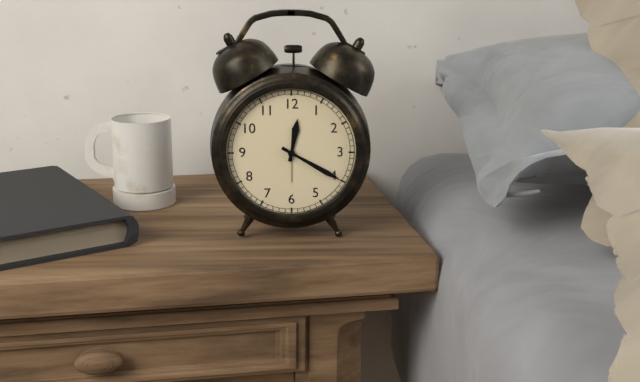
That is 12h20
